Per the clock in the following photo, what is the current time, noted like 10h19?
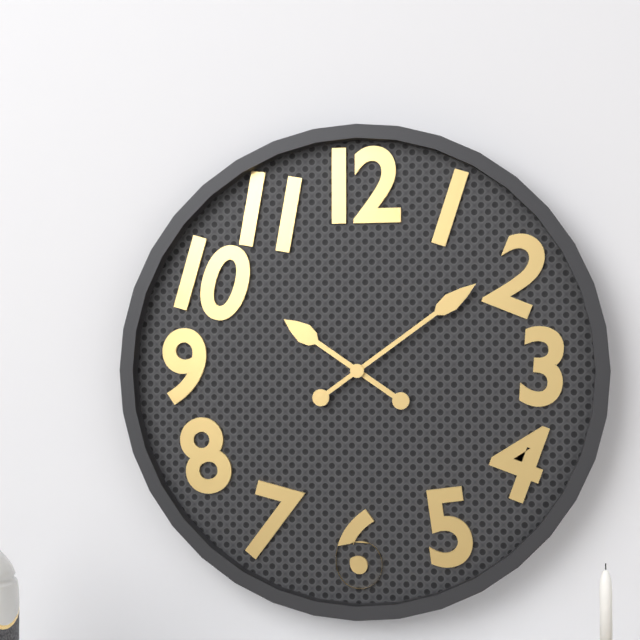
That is 10h09
